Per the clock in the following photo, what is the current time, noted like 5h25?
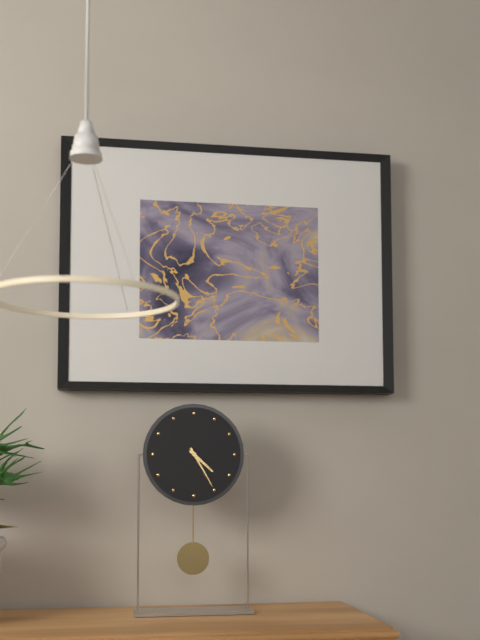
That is 4h25
